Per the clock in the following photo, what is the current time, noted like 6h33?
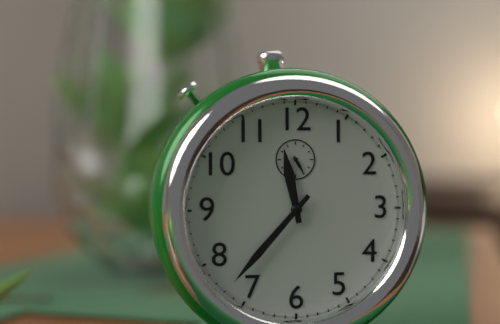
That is 11h37
